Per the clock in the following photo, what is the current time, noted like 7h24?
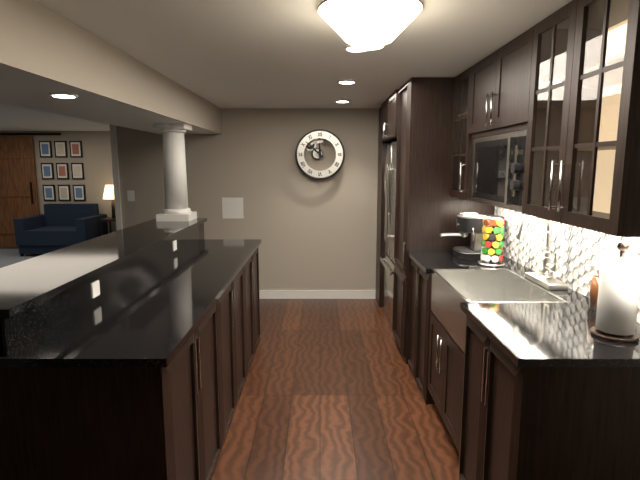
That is 11h52
